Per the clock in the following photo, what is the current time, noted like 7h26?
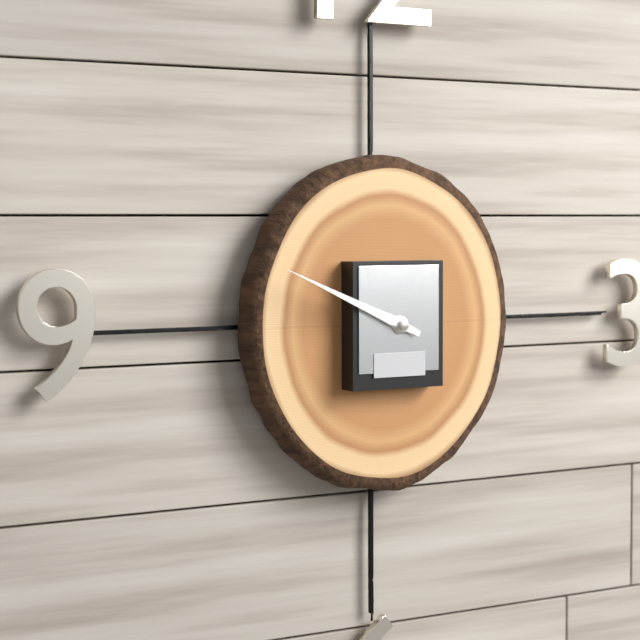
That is 9h49
